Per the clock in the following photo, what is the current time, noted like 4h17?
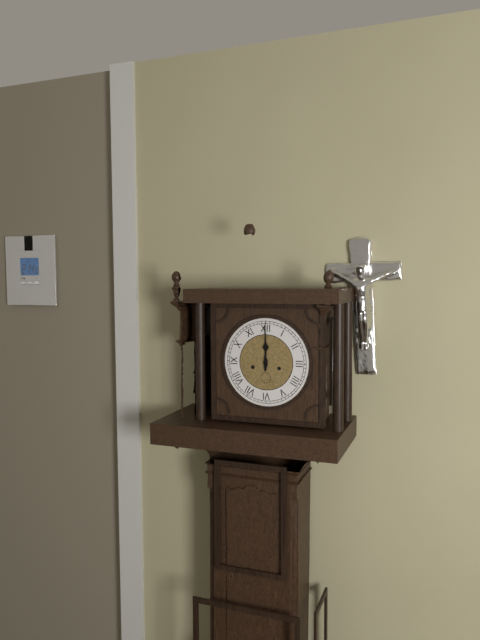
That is 12h00
